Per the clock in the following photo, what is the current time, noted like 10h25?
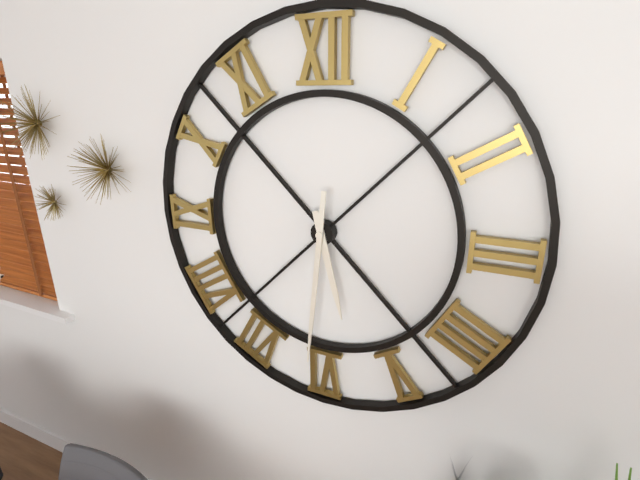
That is 5h31
